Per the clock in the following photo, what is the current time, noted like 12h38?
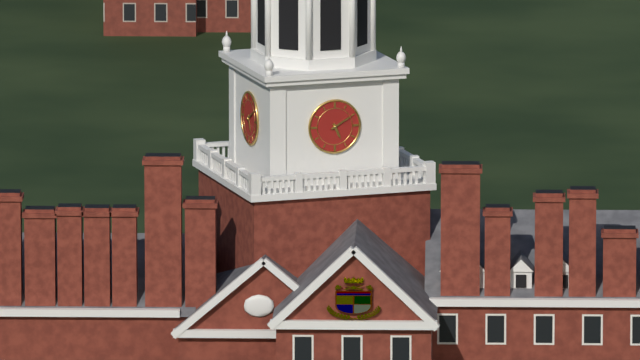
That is 5h10
